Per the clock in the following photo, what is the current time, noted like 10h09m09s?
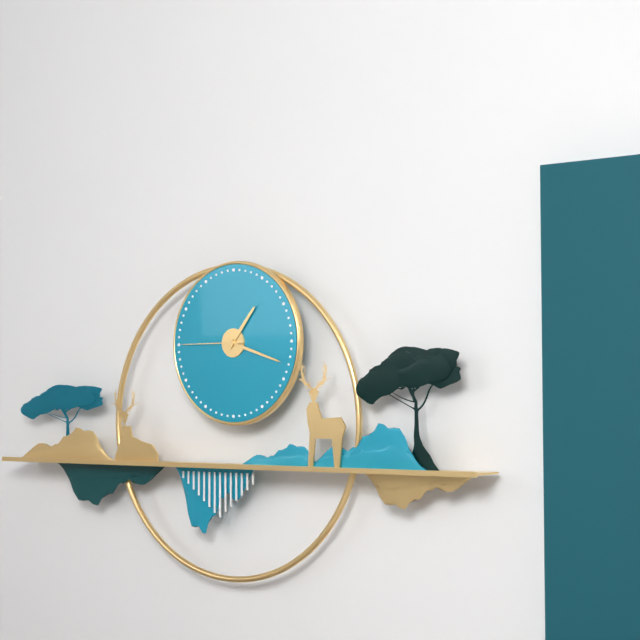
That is 1h18m45s
